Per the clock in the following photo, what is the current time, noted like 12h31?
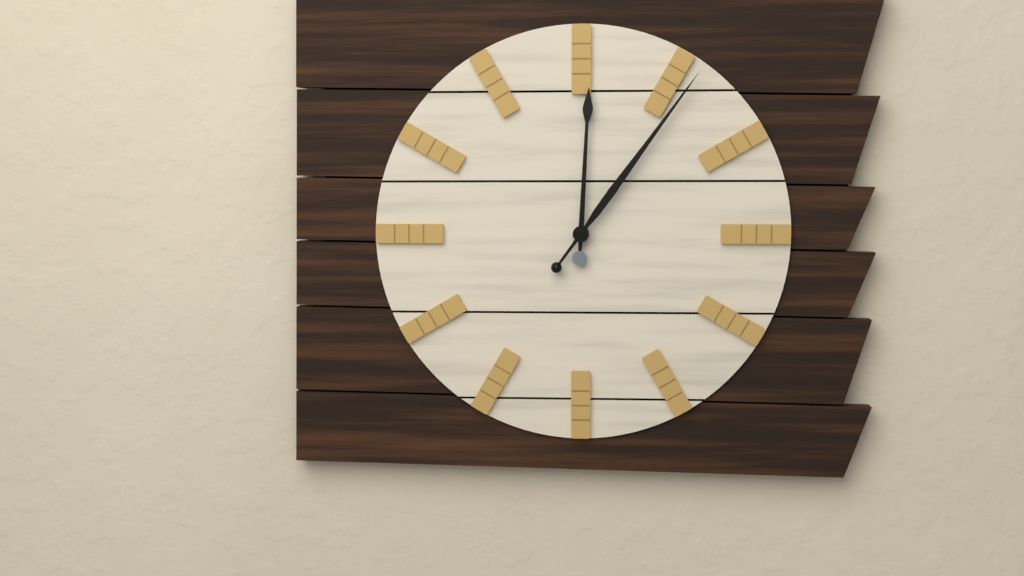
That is 12h06
